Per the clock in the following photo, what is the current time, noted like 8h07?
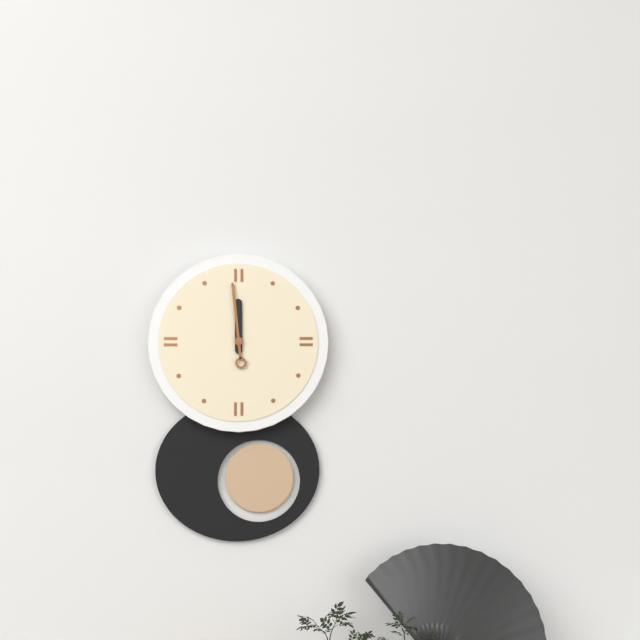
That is 11h59
